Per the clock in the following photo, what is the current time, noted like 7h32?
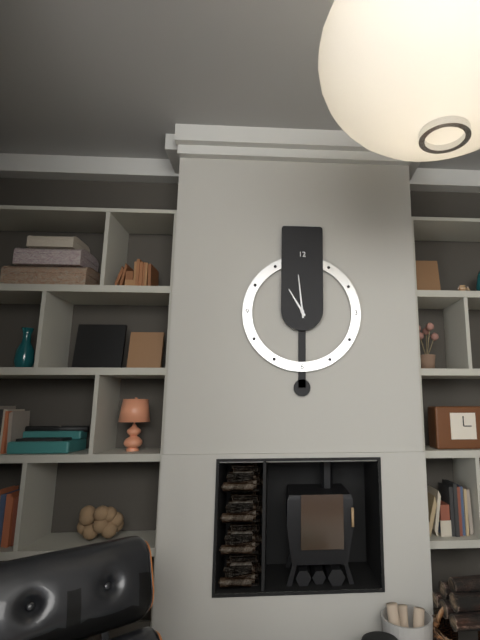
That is 10h59
